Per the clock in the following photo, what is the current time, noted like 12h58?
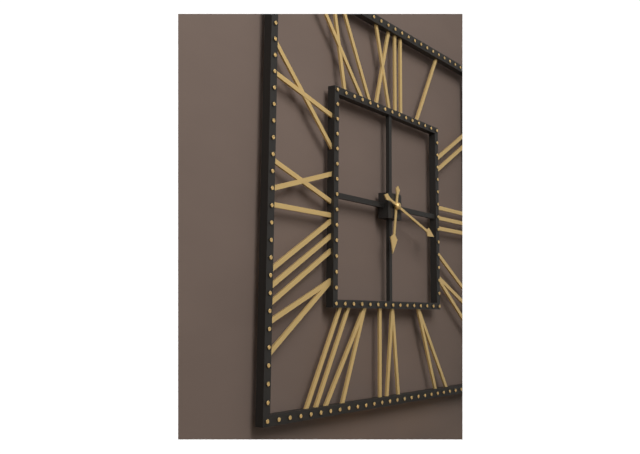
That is 6h18
